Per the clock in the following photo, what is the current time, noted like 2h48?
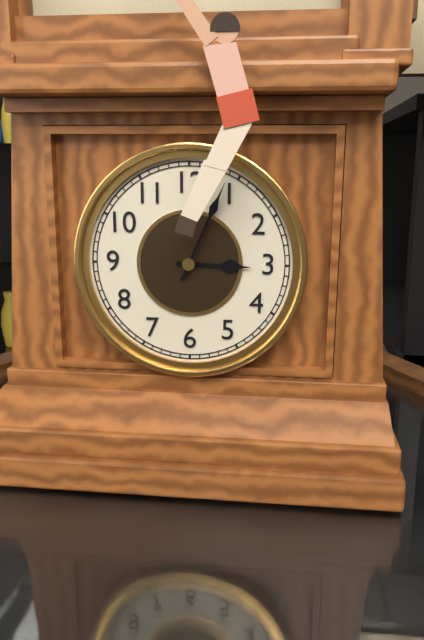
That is 3h04
